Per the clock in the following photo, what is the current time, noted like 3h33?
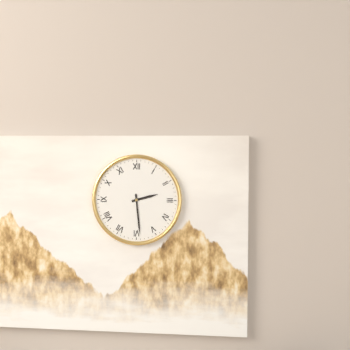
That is 2h29
